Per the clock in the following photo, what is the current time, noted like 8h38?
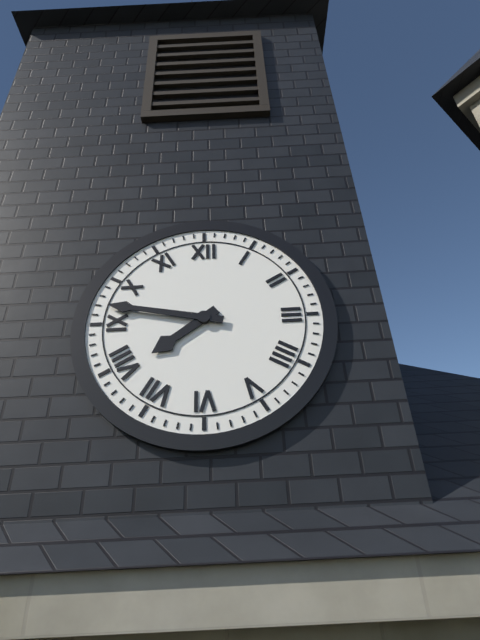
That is 7h47
